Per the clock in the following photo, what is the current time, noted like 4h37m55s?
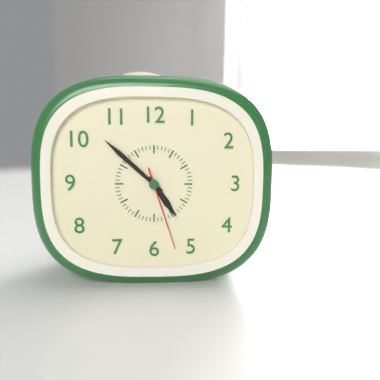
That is 4h52m27s
